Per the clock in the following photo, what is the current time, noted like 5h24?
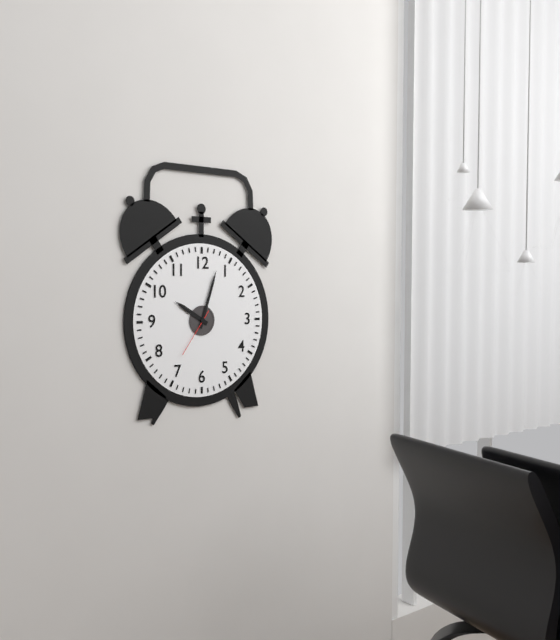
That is 10h03
